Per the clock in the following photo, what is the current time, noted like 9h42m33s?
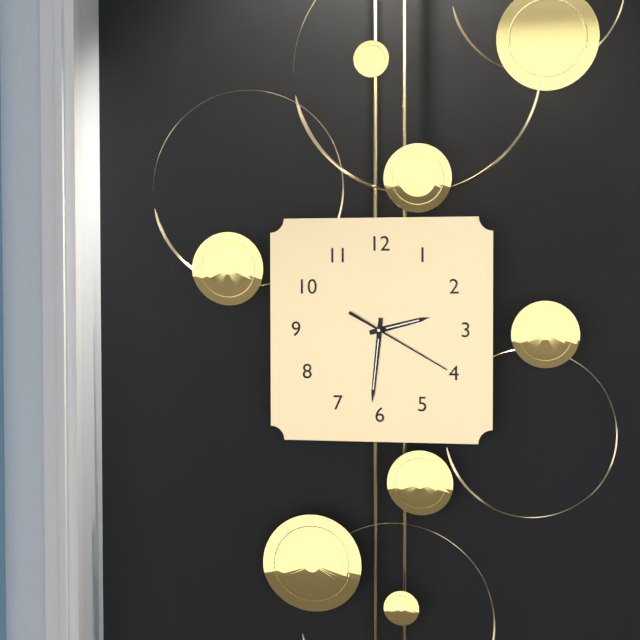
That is 2h31m20s
